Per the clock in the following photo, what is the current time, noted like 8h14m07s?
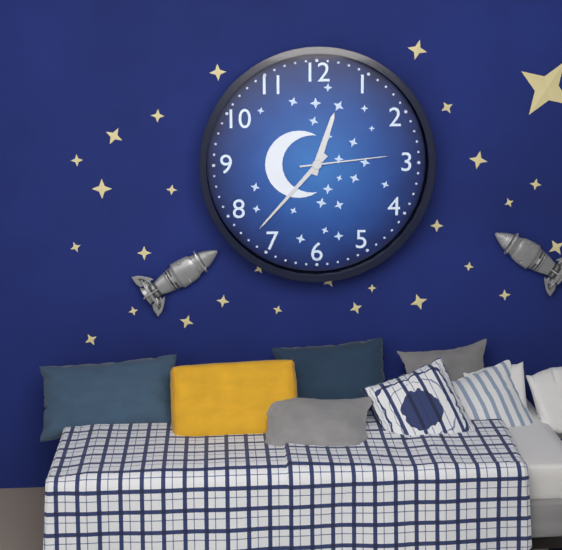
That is 12h37m14s
